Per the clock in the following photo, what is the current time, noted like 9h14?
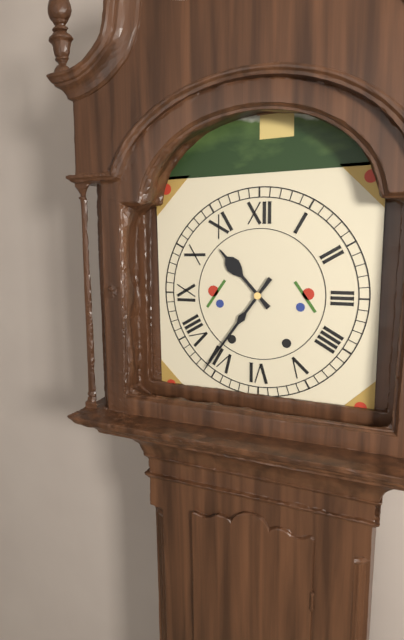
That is 10h36
